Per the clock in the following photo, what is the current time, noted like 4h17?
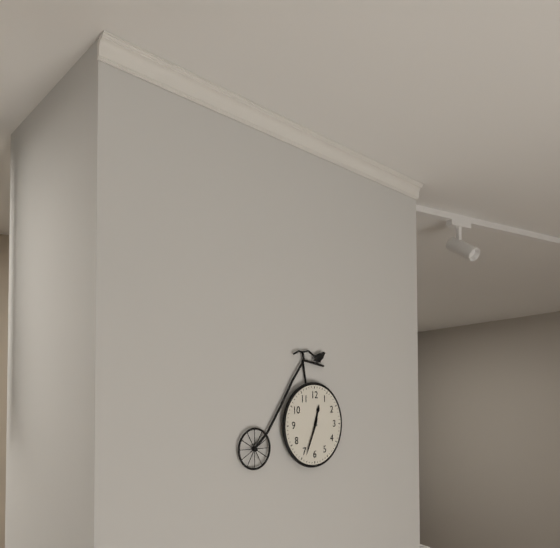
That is 12h34
